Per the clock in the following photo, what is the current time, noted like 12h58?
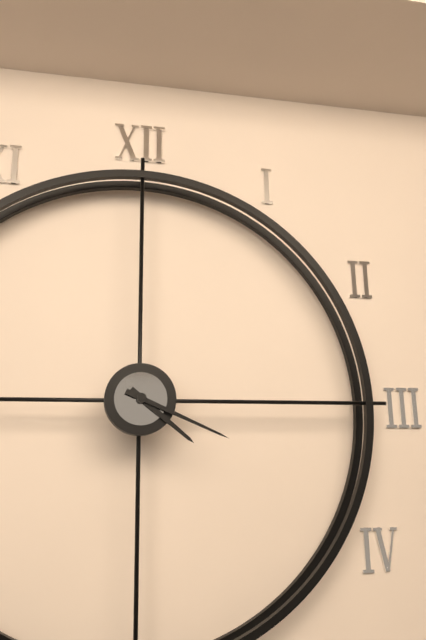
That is 4h19
